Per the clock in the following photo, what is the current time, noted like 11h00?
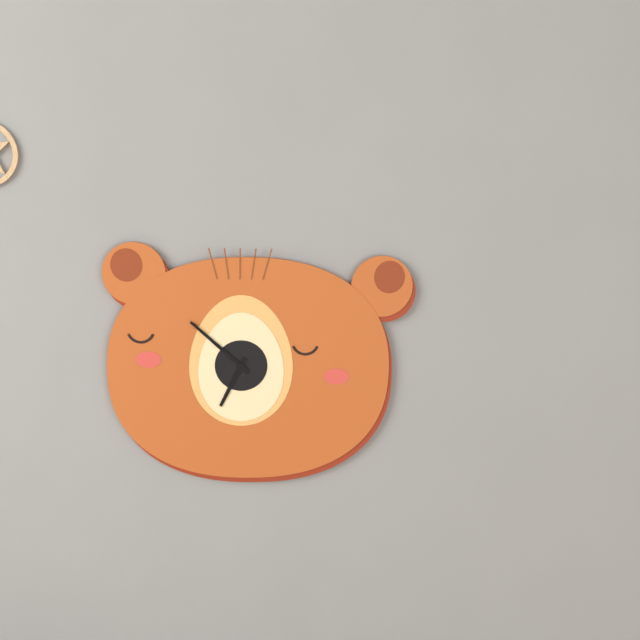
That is 6h52
